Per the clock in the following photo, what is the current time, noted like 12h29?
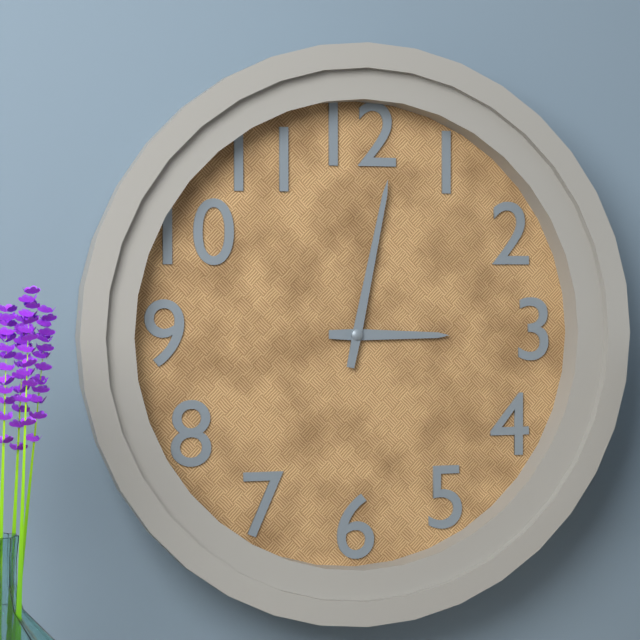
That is 3h02
